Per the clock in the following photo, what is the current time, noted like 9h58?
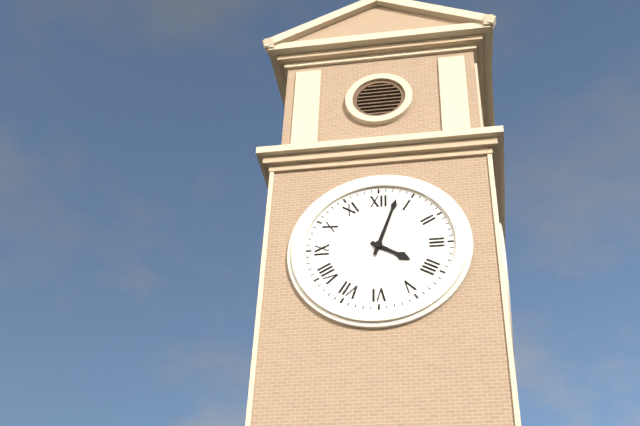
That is 4h03
